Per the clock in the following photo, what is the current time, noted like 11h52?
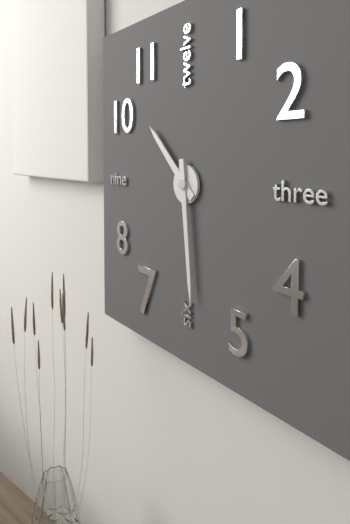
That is 10h29
